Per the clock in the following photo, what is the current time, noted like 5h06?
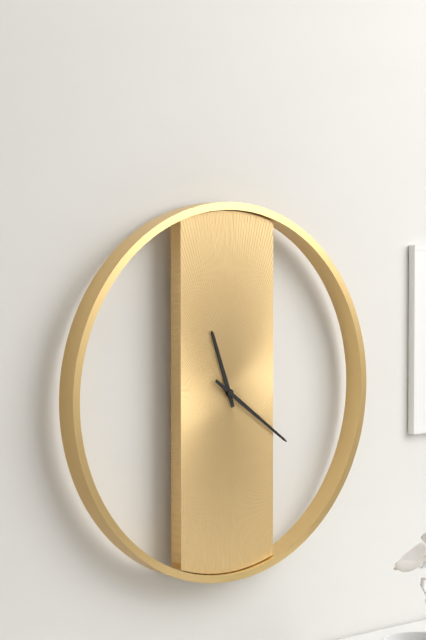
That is 11h21
